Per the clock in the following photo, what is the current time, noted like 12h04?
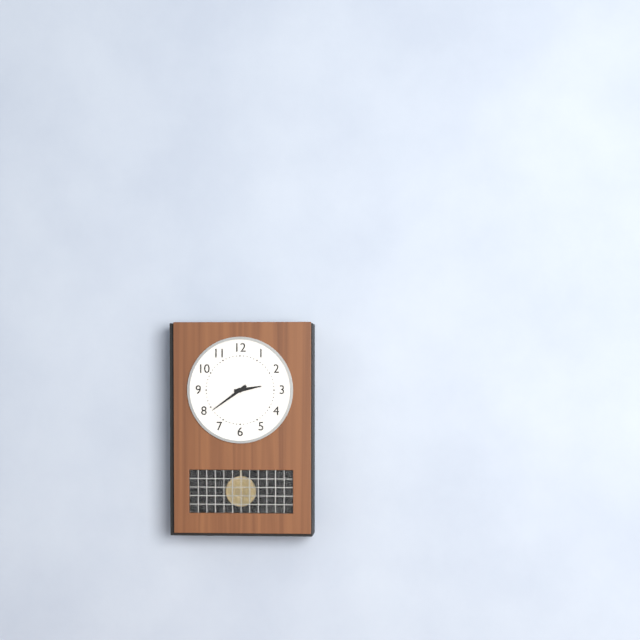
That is 2h39
